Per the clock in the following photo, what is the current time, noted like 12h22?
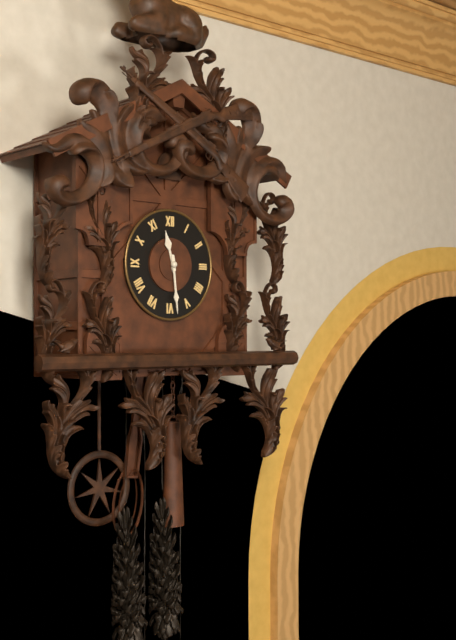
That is 11h29
